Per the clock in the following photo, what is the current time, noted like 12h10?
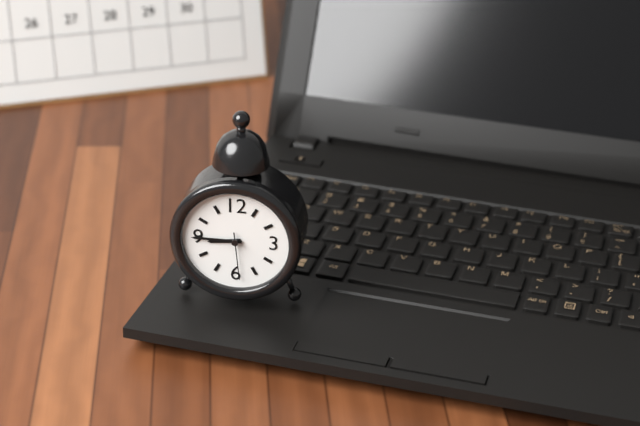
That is 8h45
